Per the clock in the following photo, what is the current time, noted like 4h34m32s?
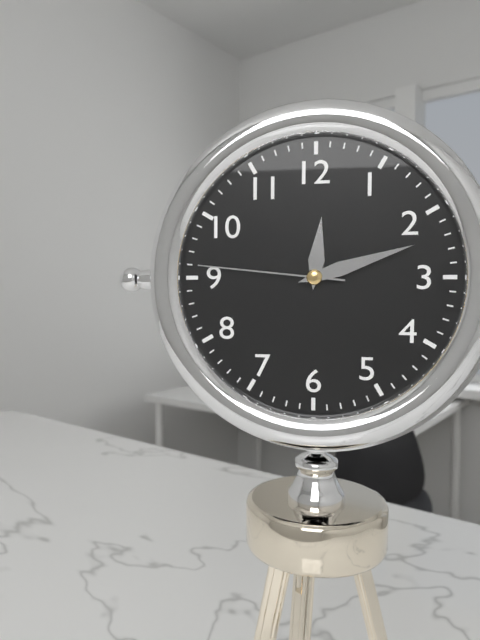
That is 12h12m46s
